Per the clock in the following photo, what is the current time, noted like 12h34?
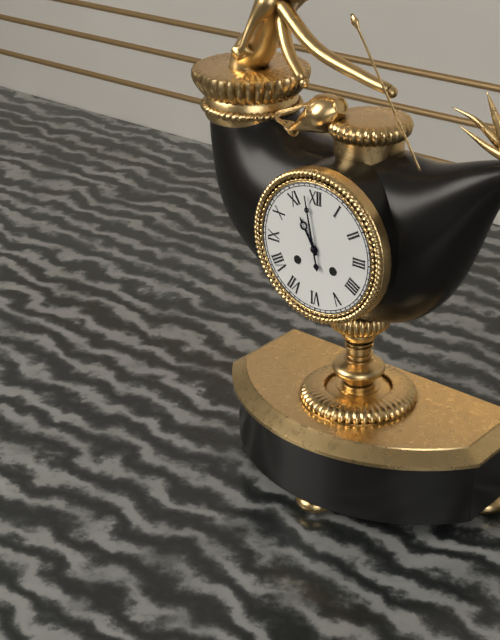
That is 10h58
